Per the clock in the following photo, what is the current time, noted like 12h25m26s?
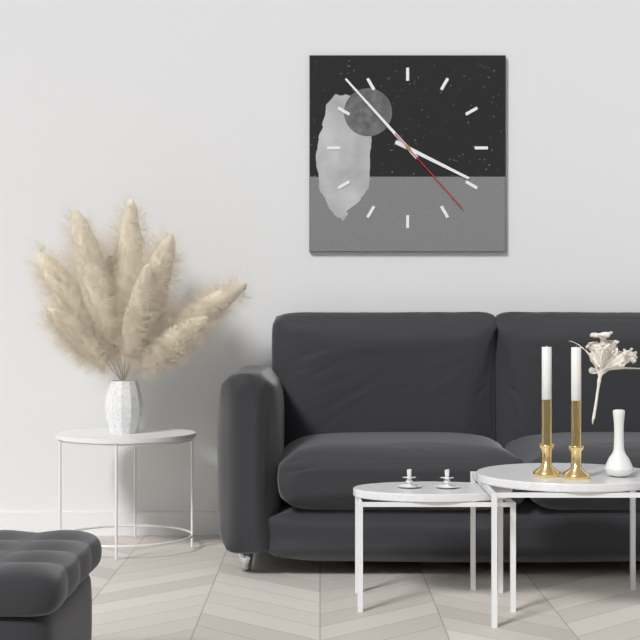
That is 3h53m23s
